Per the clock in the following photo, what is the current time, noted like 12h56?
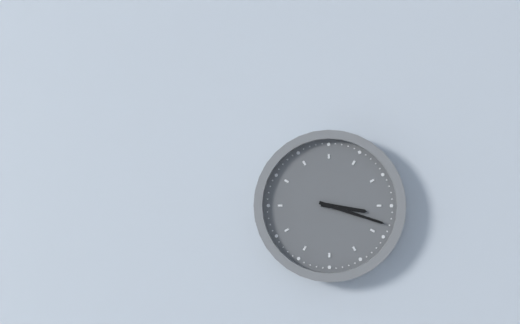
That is 3h18
